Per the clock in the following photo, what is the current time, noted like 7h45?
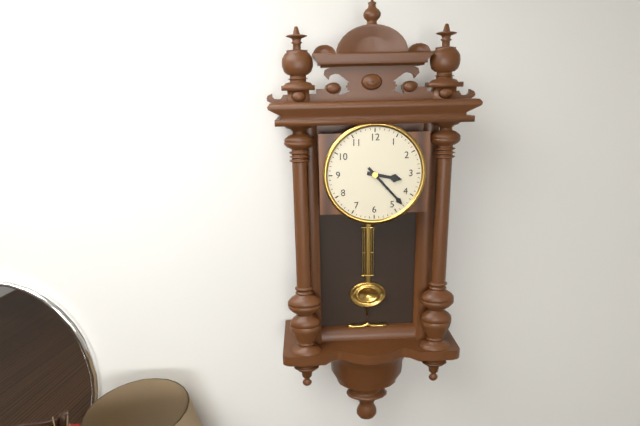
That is 3h23
